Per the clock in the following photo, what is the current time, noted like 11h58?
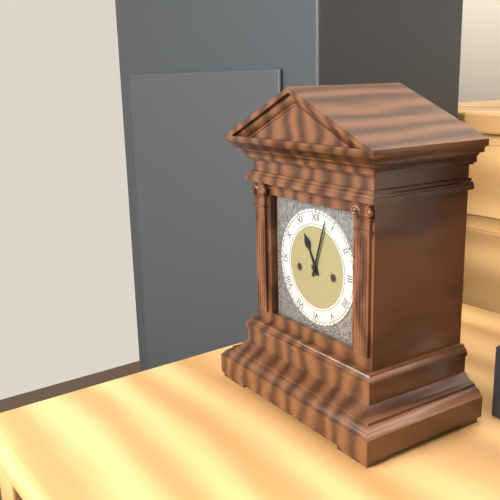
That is 11h03
